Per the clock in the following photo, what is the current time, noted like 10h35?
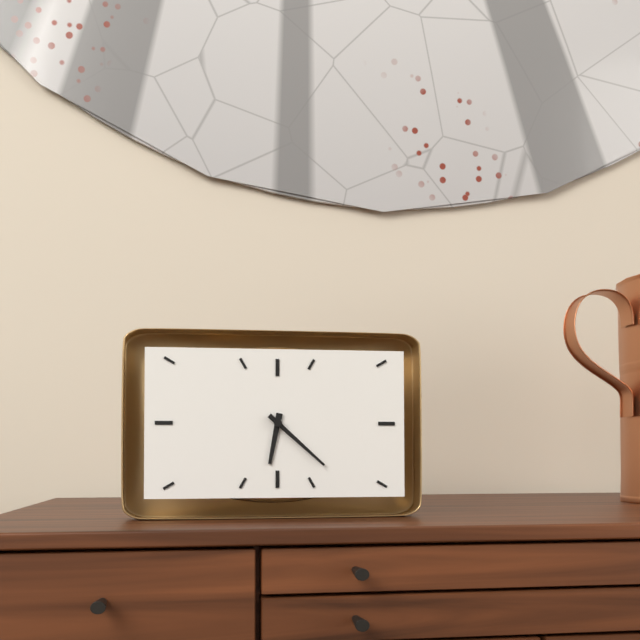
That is 6h22
